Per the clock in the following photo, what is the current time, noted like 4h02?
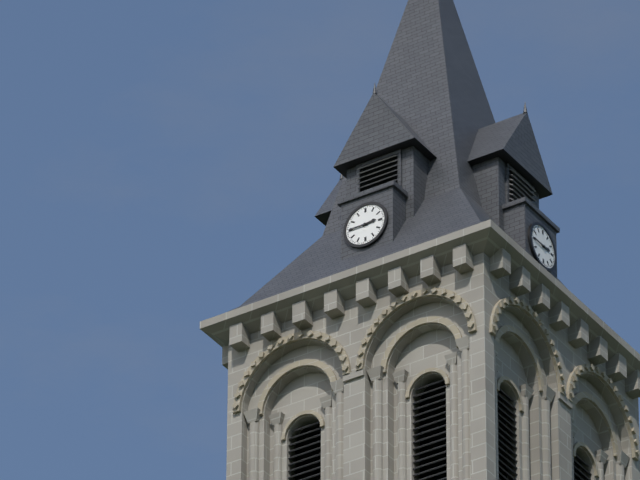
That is 2h45
